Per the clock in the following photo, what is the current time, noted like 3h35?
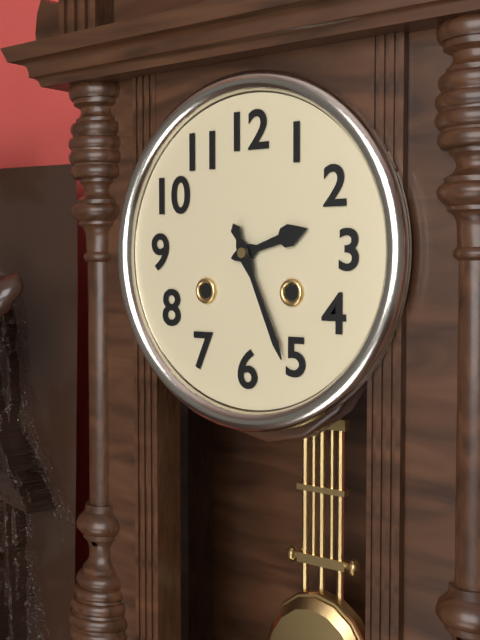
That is 2h26
